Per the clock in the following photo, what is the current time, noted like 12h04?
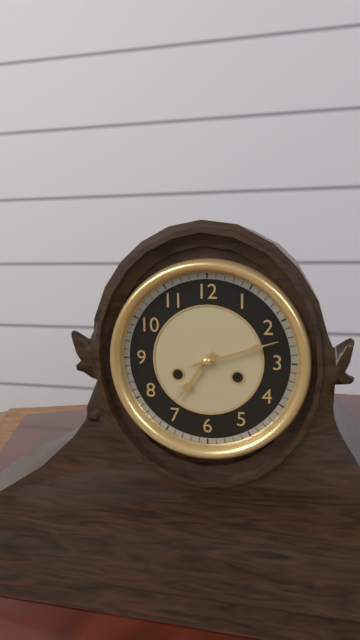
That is 7h12
